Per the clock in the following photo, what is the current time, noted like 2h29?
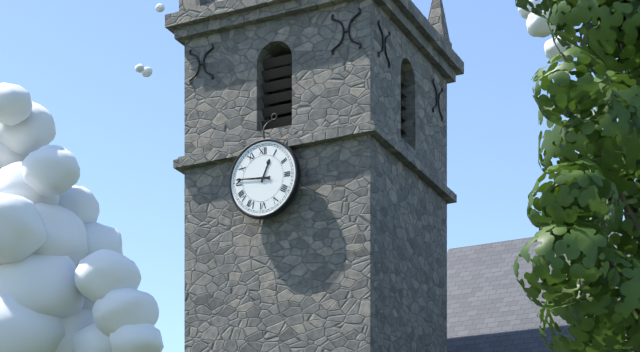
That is 12h46
